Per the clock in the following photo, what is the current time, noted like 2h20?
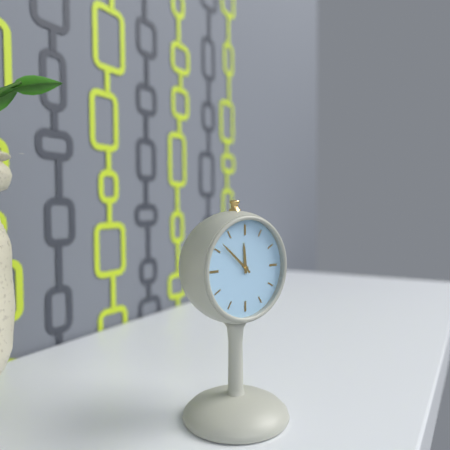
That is 11h52
